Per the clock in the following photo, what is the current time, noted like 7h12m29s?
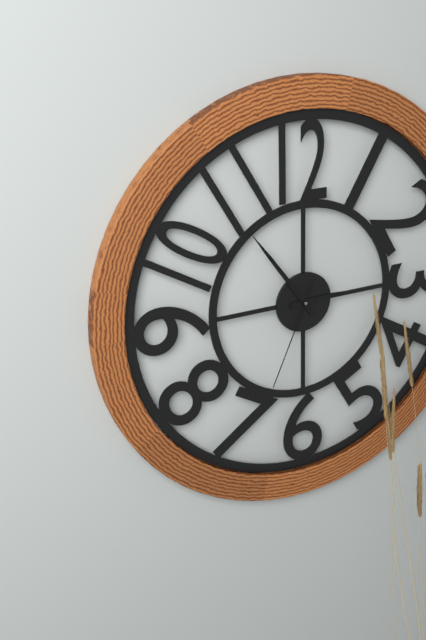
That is 2h54m34s
